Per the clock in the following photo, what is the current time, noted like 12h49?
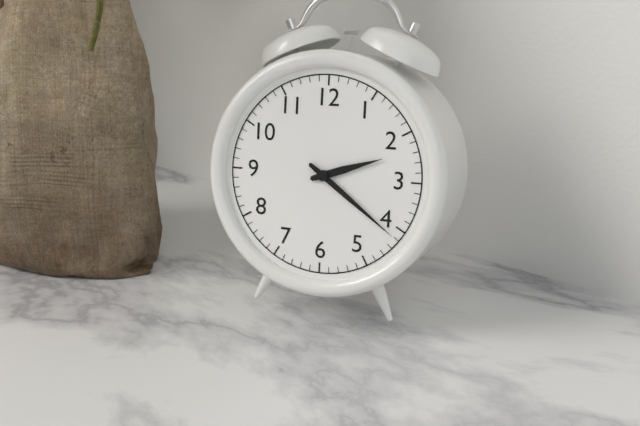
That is 2h21
